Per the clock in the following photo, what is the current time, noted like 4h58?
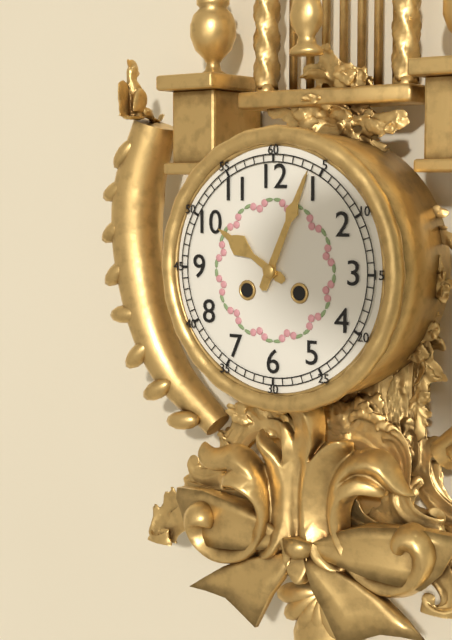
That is 10h04
